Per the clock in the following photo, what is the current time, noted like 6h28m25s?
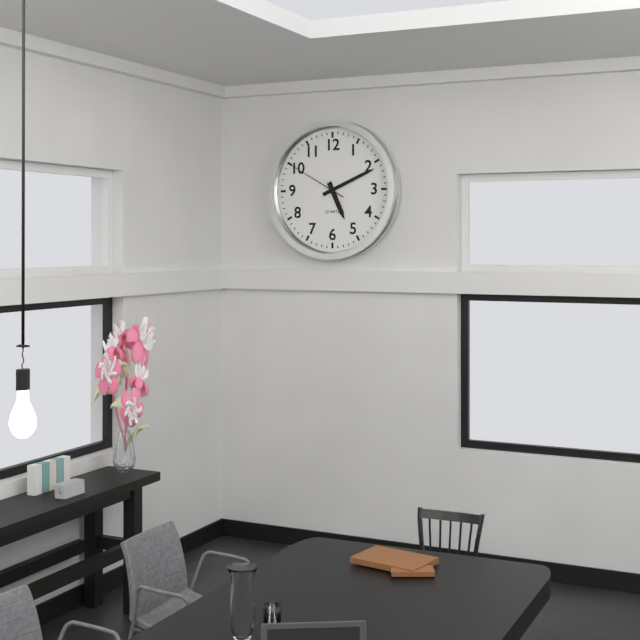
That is 5h11m50s
